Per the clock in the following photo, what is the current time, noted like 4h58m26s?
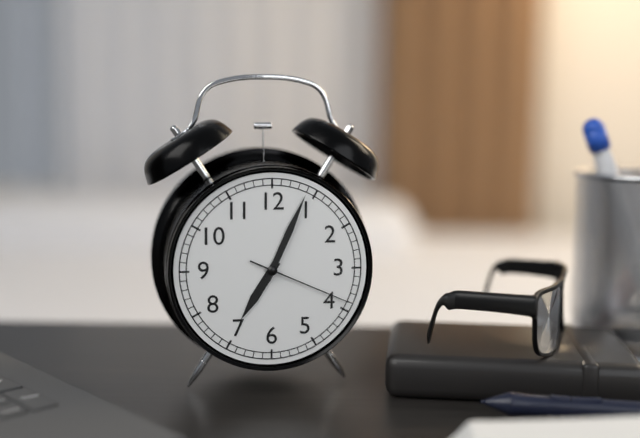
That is 7h04m19s
